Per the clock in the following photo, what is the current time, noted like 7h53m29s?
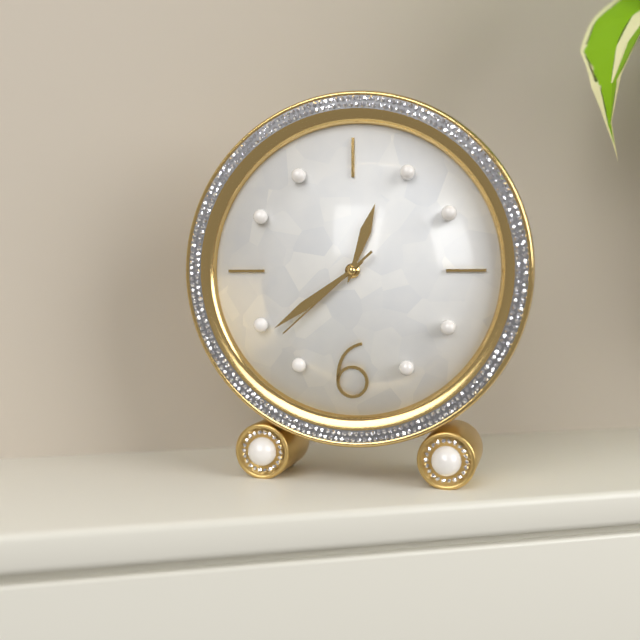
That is 12h39m38s
